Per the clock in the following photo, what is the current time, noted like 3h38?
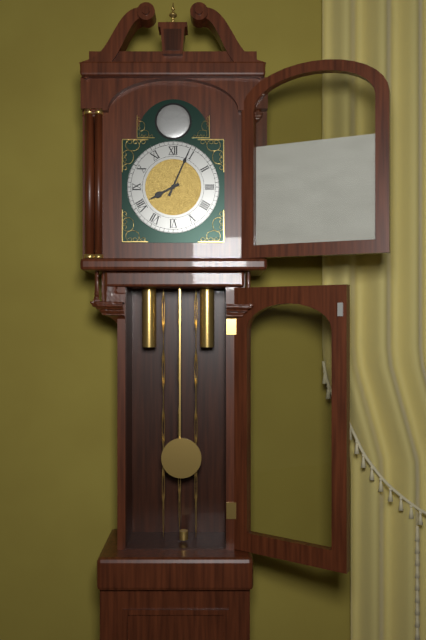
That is 8h04
